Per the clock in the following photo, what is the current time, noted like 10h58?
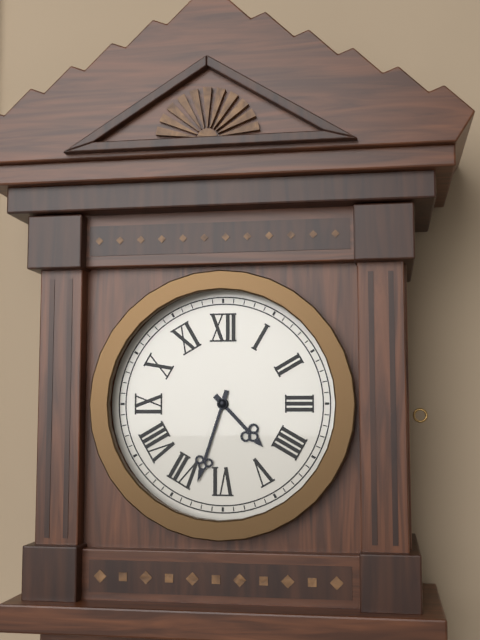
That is 4h33
